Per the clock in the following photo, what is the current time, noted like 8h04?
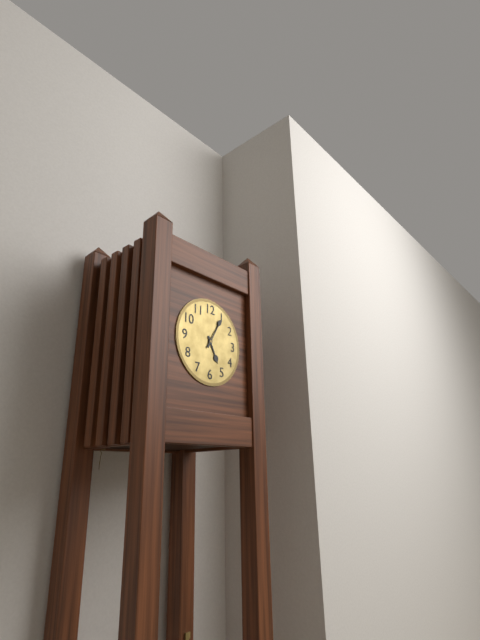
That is 5h05
